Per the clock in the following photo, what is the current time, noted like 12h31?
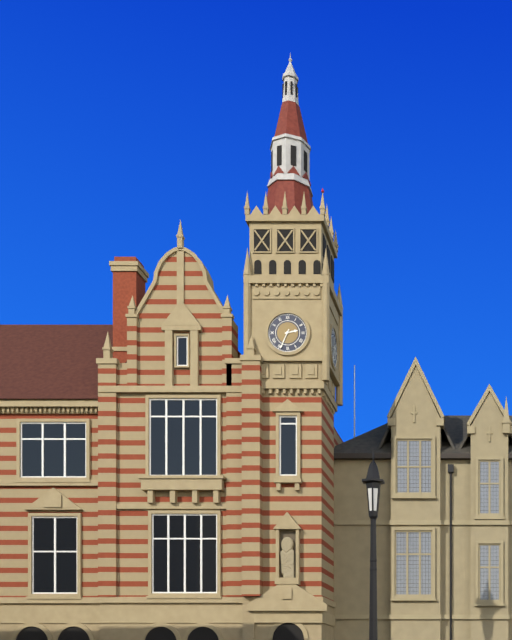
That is 2h34
